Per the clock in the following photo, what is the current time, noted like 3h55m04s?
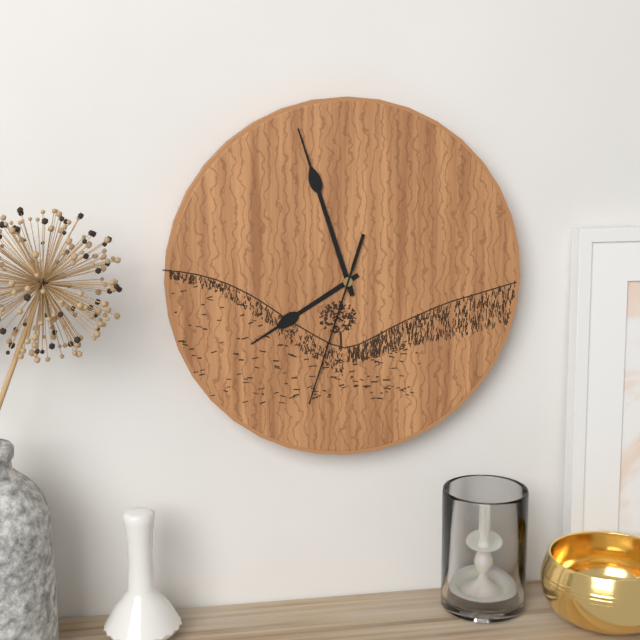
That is 7h57m33s
